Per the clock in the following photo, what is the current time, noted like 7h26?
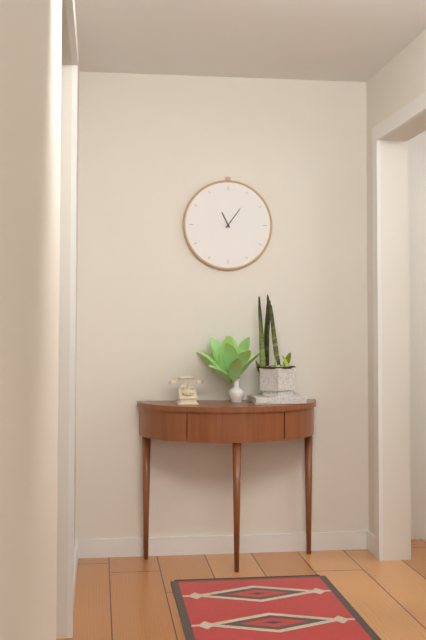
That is 11h06
